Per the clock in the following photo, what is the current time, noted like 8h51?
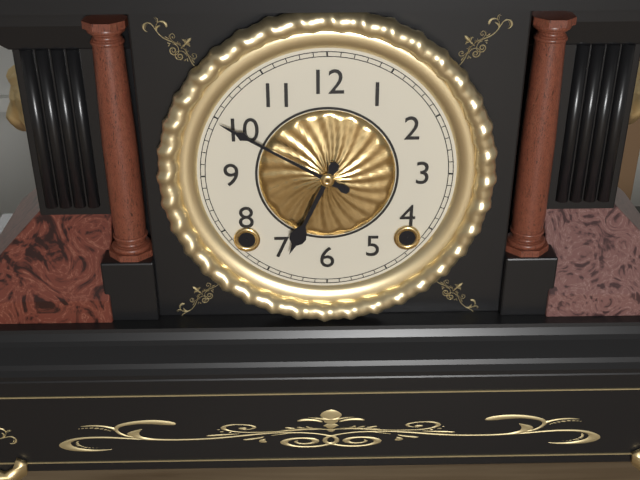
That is 6h50
